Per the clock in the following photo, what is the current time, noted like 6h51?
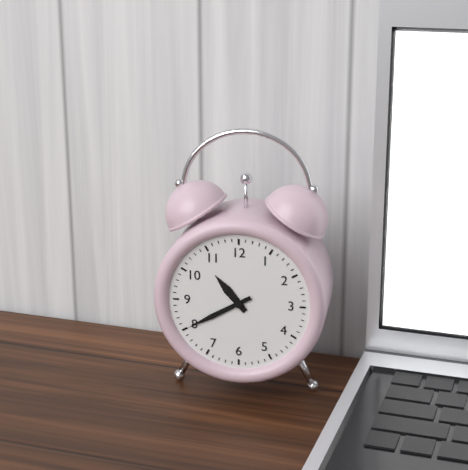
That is 10h40
